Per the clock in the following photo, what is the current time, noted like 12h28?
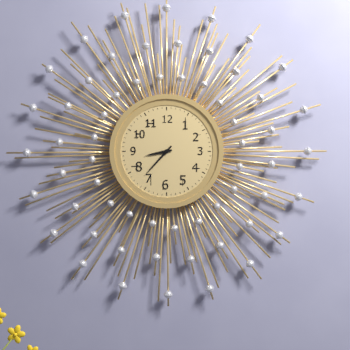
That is 8h37
